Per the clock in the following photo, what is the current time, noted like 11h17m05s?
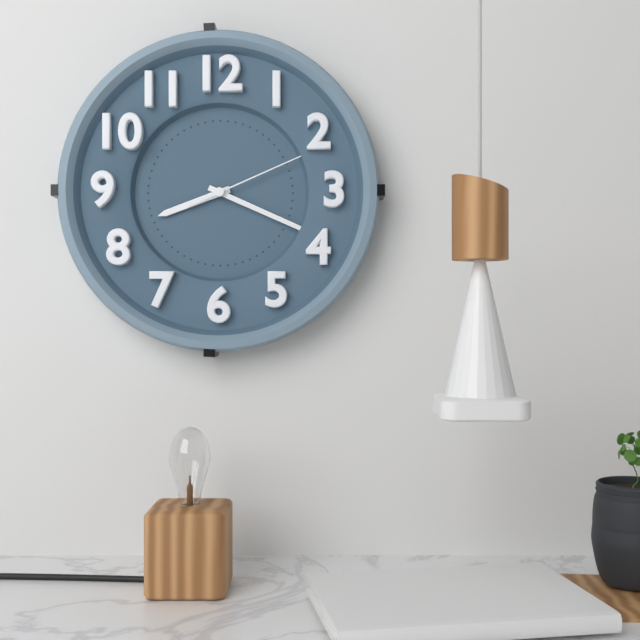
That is 8h19m11s
